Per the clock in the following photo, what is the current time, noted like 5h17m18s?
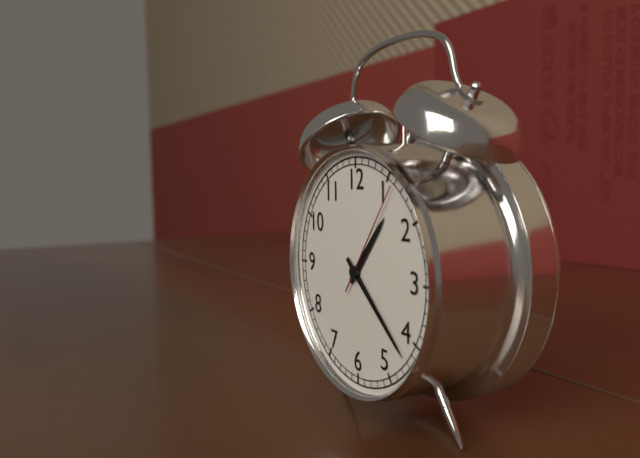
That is 1h22m06s
